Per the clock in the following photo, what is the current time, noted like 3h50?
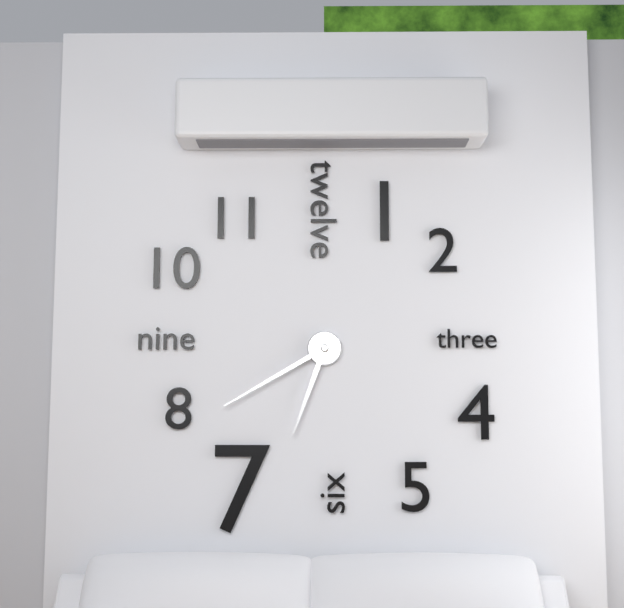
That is 6h40
